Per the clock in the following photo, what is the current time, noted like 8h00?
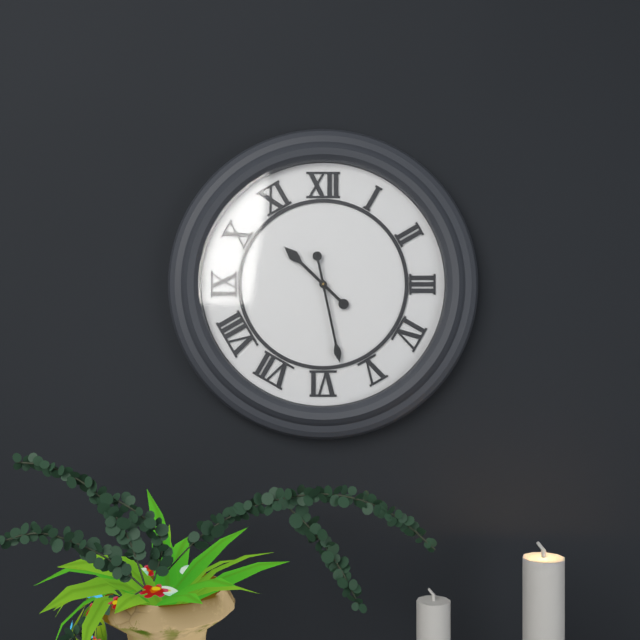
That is 10h28
